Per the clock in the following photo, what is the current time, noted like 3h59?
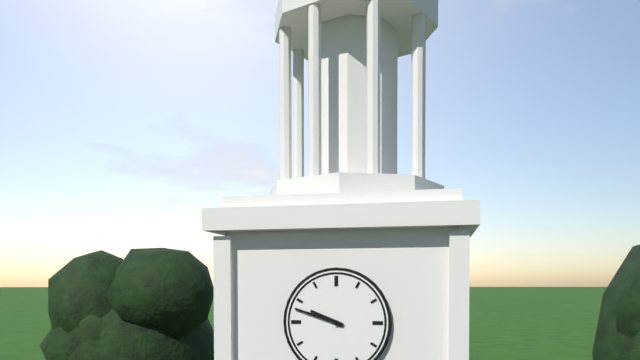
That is 9h48
